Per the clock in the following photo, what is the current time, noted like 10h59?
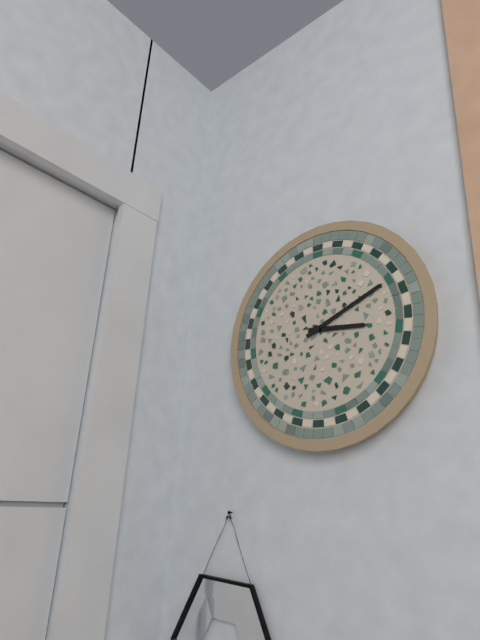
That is 3h11
